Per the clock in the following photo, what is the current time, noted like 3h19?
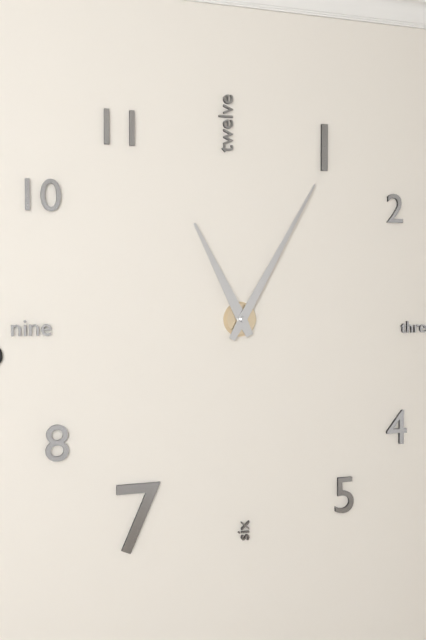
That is 11h05
